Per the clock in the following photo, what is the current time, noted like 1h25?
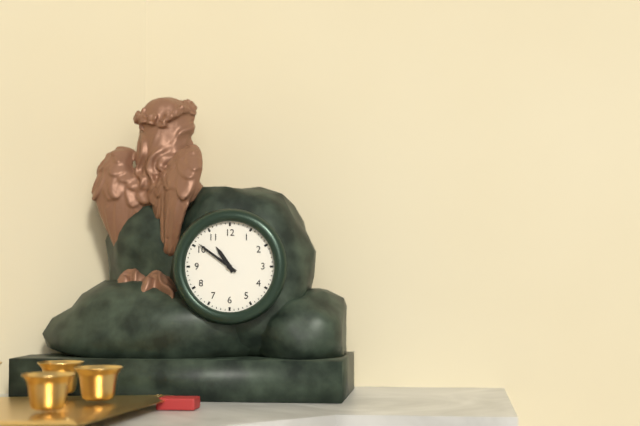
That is 10h51
